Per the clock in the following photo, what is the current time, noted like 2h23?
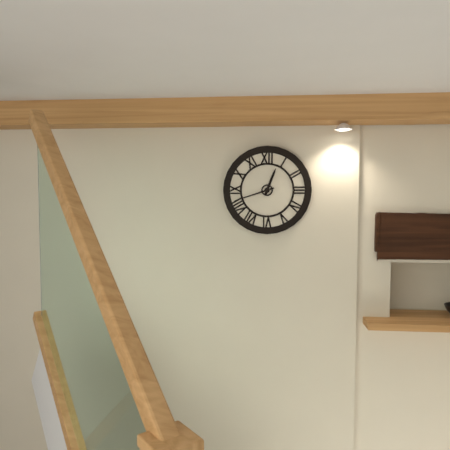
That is 12h42
